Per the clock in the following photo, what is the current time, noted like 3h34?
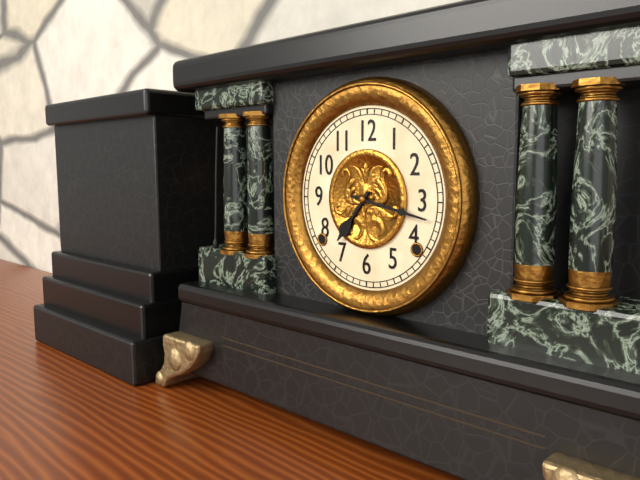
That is 7h17
